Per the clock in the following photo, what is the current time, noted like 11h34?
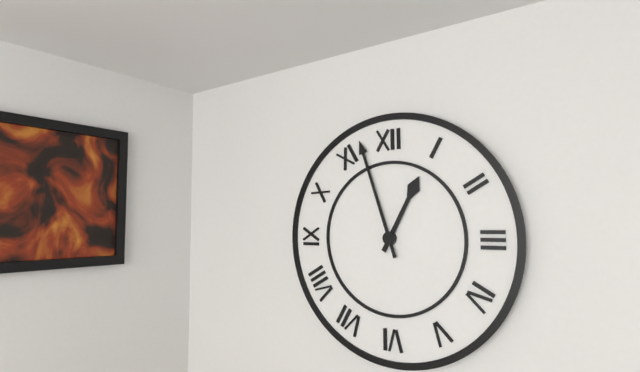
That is 12h57
